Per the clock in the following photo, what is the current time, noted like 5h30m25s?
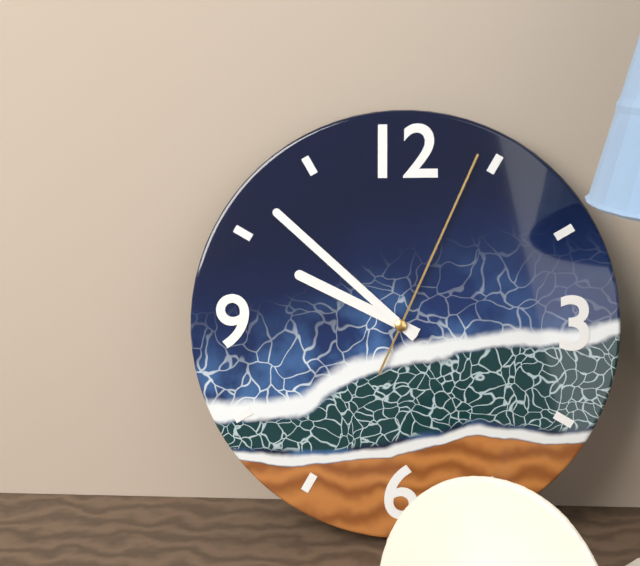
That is 9h52m04s
